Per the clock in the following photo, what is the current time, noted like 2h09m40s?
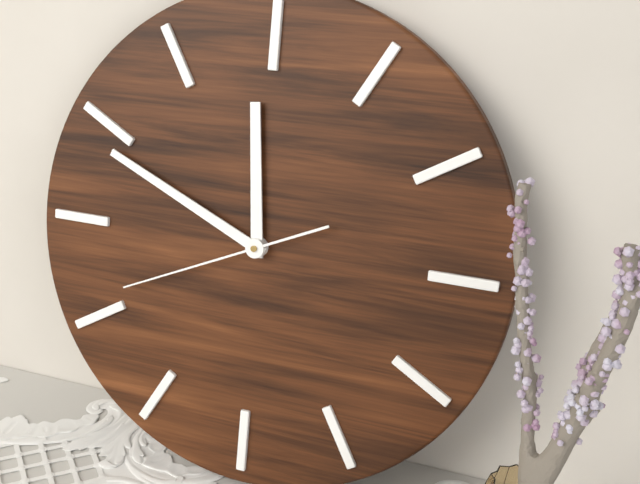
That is 11h49m41s
